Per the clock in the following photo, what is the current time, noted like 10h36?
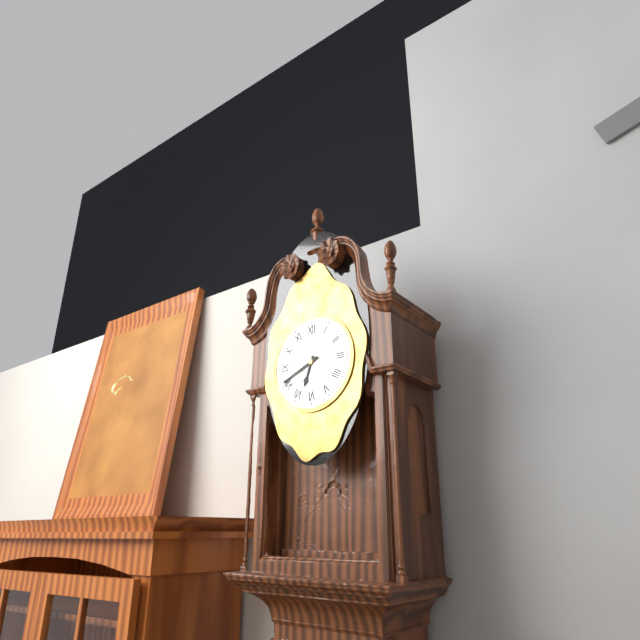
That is 6h41
